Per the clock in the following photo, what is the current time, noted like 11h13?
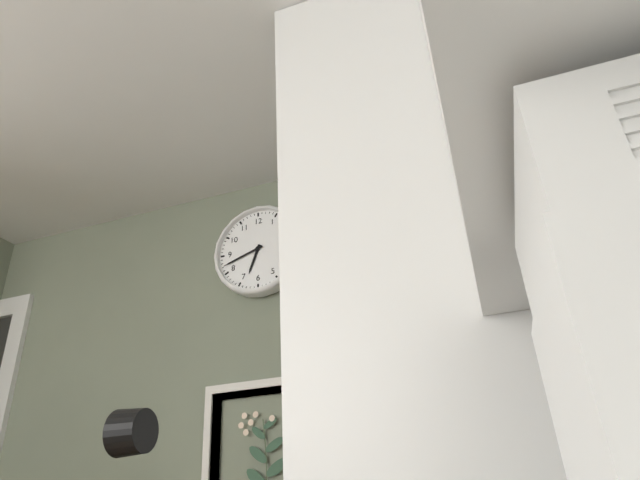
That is 6h42
